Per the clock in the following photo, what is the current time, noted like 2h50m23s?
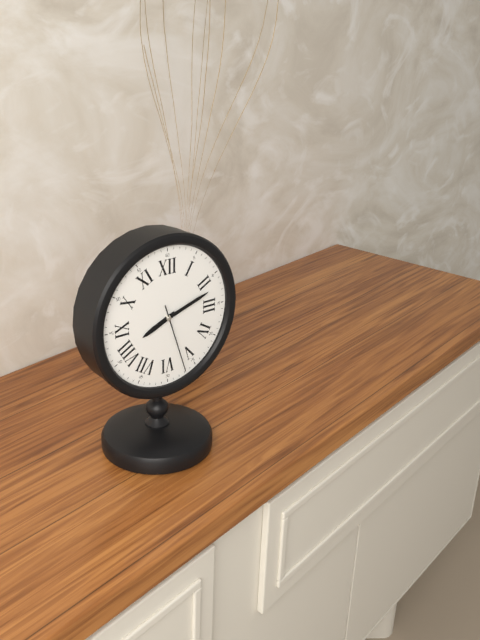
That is 8h12m27s
